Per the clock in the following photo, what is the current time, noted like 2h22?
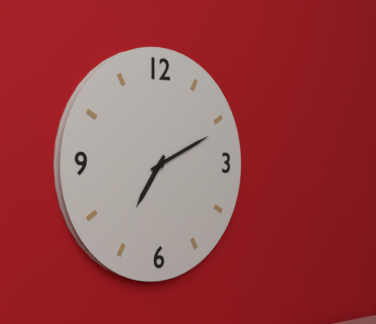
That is 7h11
